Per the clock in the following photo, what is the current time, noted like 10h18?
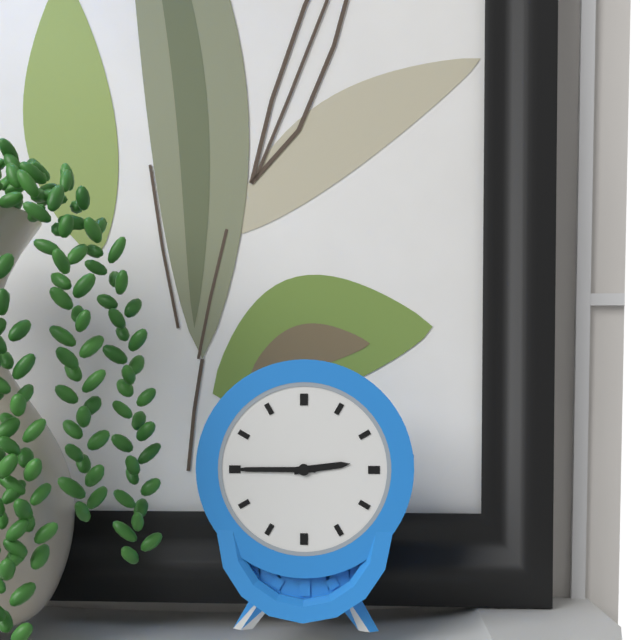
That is 2h45
